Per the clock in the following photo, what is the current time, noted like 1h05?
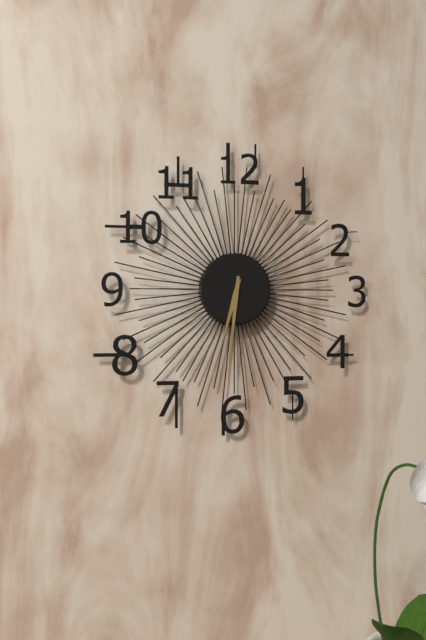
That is 6h31
